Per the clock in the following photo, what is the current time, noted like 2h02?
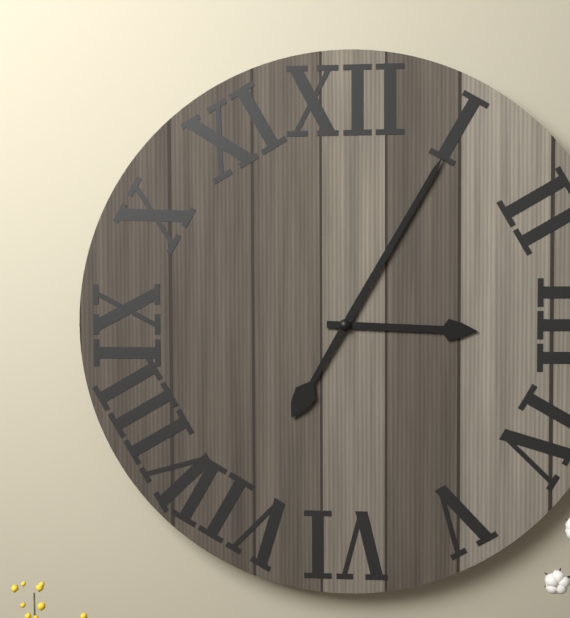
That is 3h05
